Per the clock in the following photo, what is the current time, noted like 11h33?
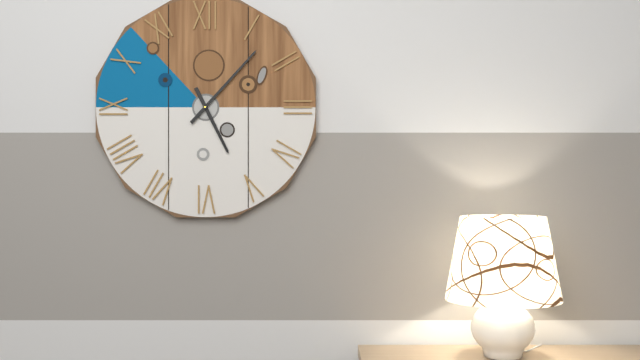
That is 5h07
